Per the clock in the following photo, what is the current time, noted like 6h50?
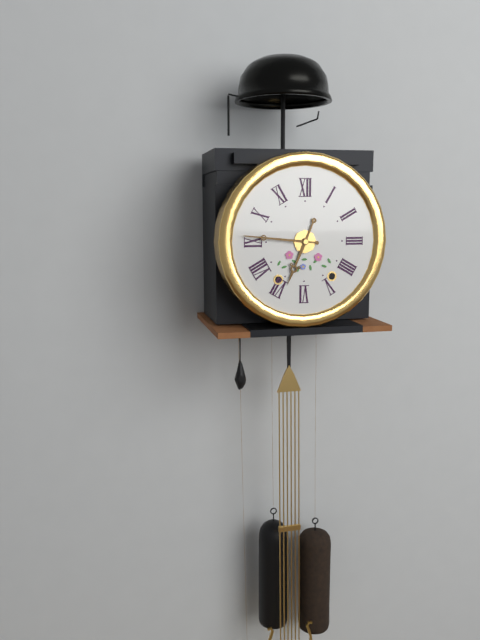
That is 6h46
